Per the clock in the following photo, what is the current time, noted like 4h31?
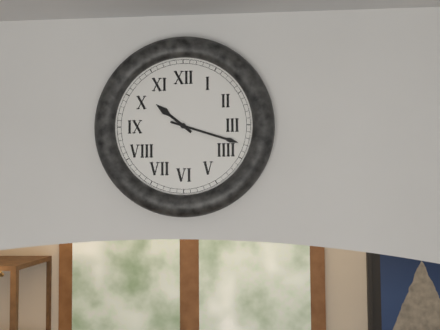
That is 10h18
